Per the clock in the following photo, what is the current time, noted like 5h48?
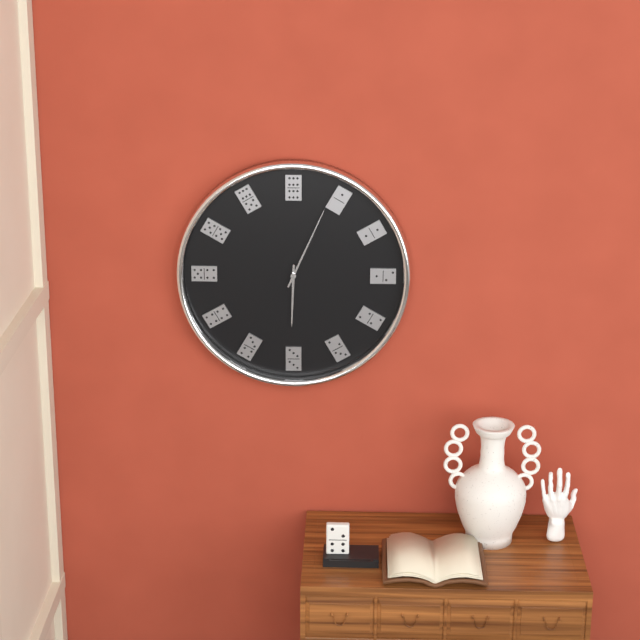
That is 6h04
